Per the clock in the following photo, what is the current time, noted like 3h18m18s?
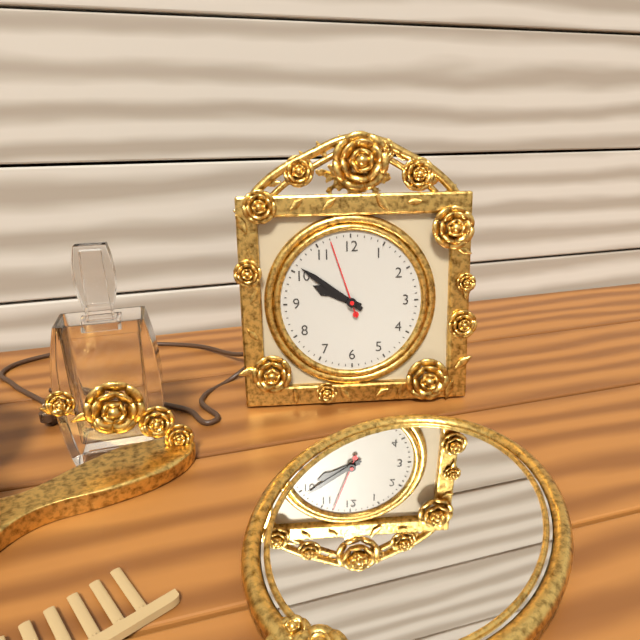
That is 9h51m57s
